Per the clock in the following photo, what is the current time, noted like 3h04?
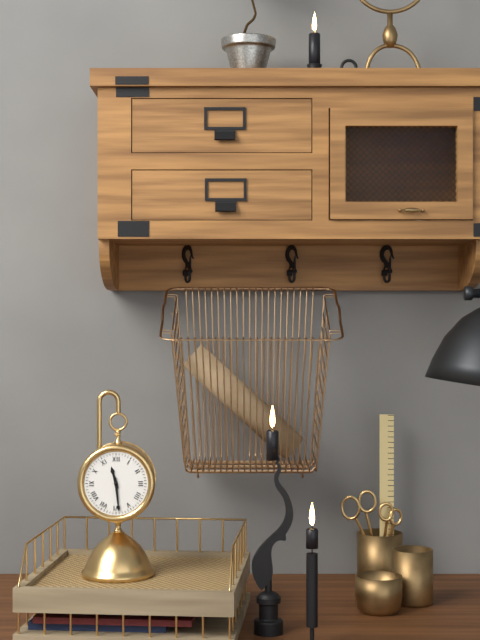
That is 11h29
